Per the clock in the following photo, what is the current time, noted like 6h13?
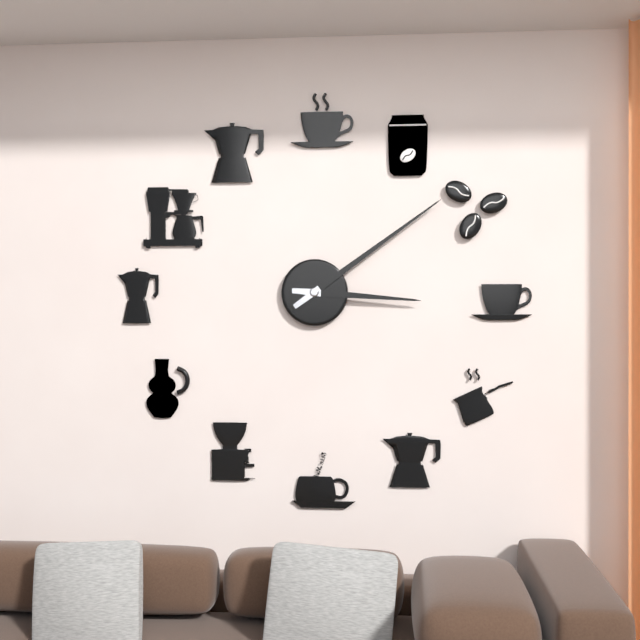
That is 3h09
